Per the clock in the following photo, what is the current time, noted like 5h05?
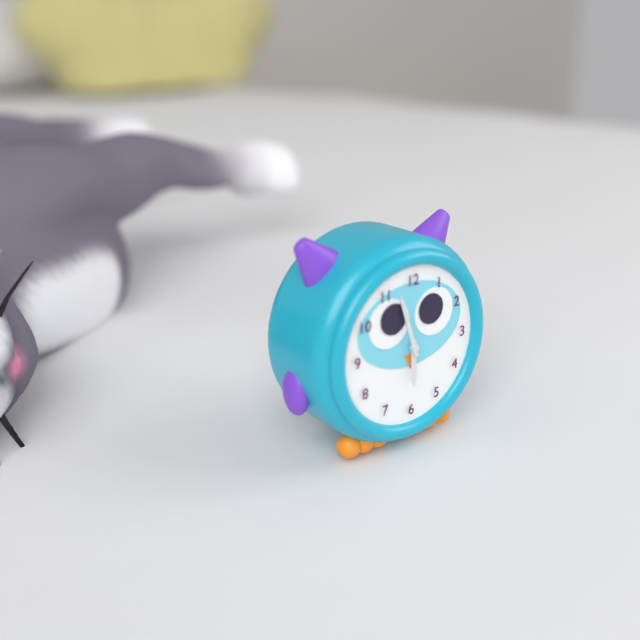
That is 5h57
